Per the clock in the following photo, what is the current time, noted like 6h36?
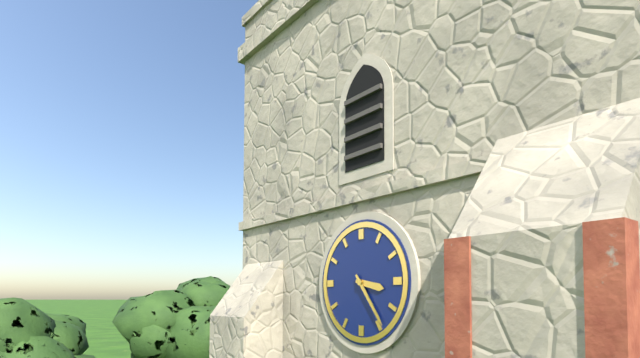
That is 3h24
